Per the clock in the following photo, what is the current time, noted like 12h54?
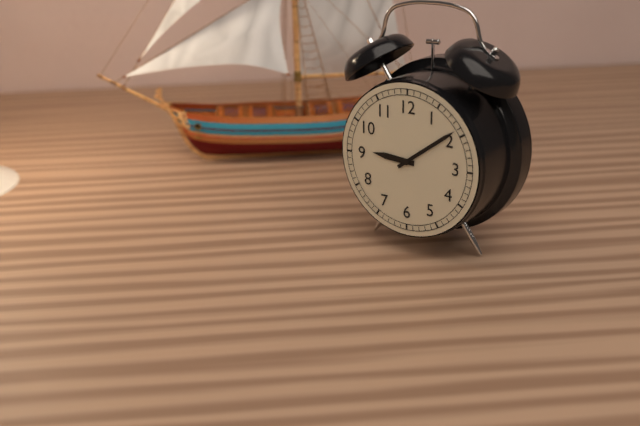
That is 9h09
